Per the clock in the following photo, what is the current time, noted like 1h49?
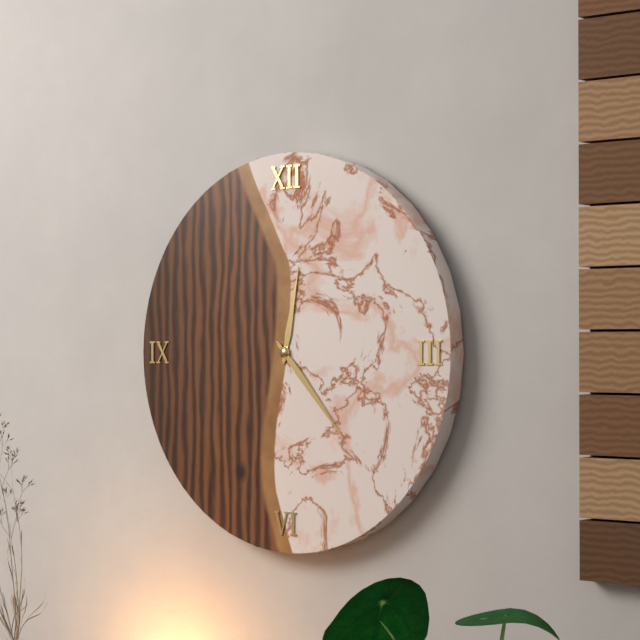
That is 12h23
